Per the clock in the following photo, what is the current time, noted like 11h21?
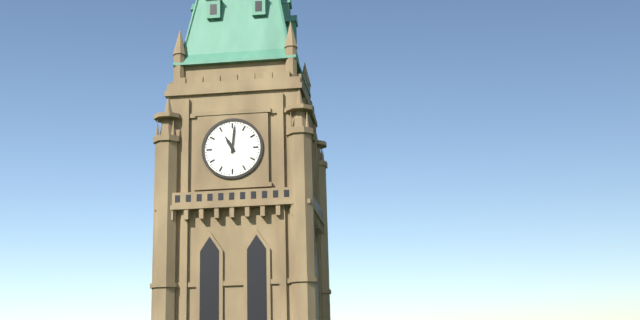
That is 11h01
